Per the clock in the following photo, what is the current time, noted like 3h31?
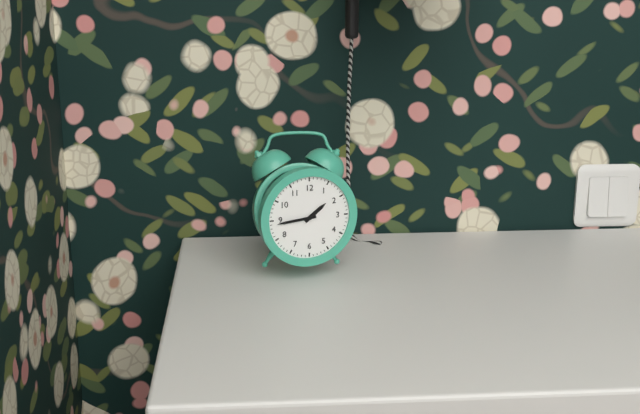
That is 1h44
